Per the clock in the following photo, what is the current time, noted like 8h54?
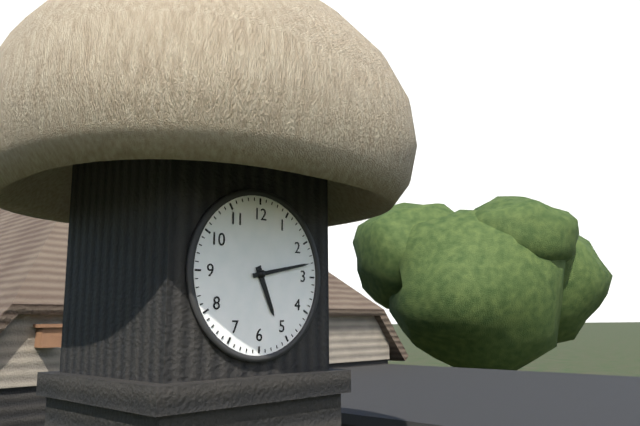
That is 5h13
